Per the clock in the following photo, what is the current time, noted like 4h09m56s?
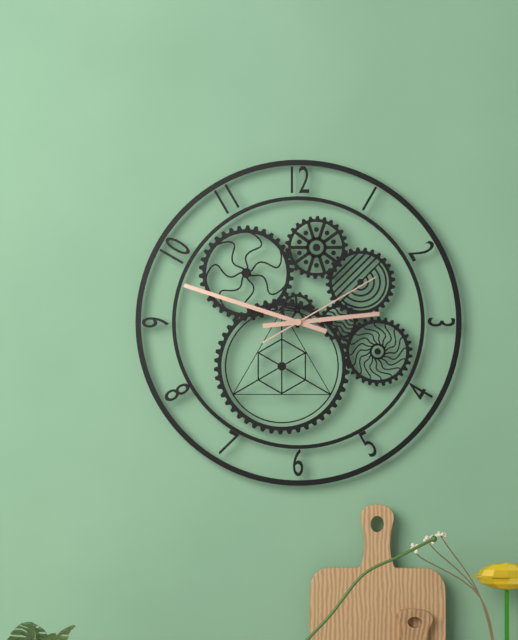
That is 2h48m10s
